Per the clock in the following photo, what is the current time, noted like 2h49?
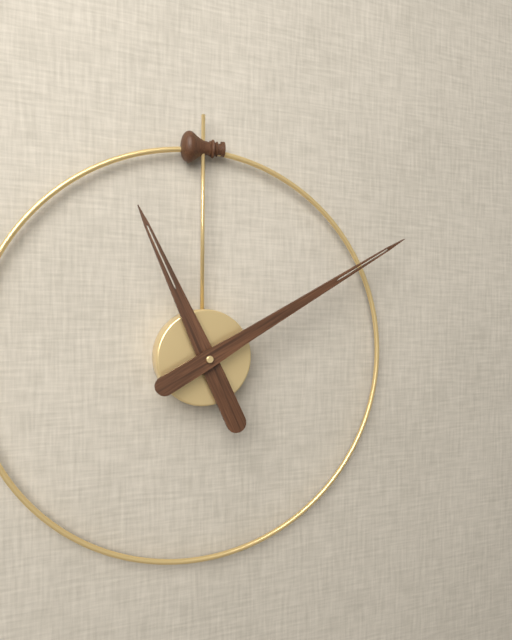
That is 11h10
